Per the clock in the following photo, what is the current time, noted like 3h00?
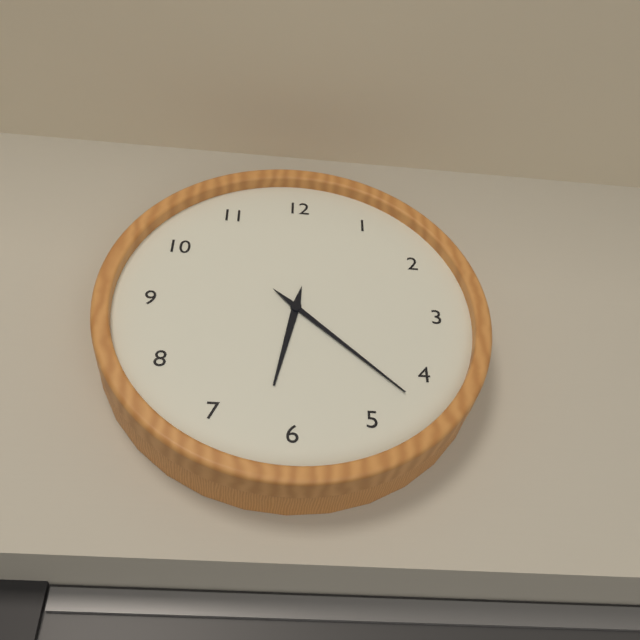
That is 6h22
